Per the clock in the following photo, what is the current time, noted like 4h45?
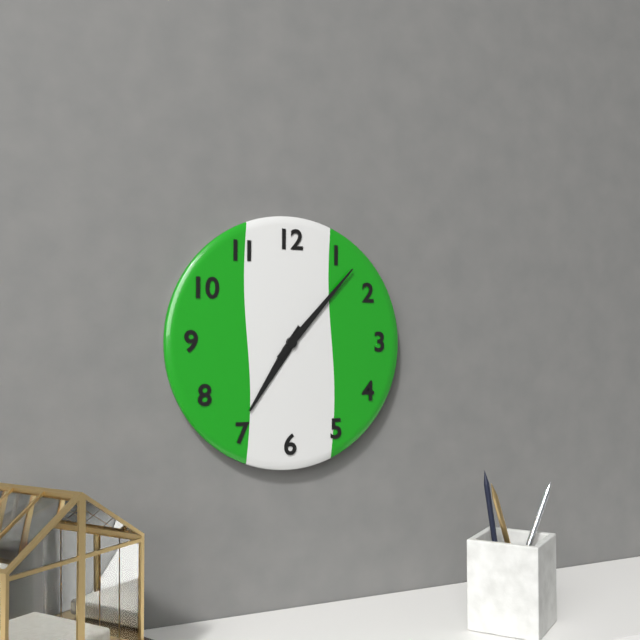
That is 7h07
